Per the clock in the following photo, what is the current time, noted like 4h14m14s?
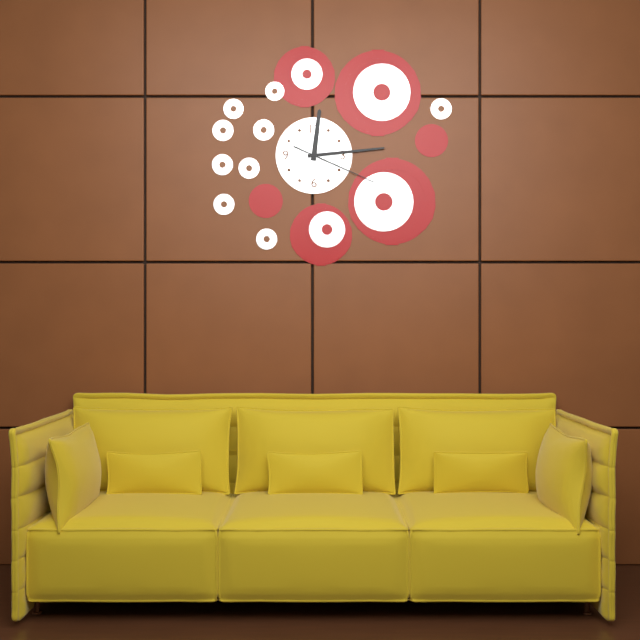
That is 12h14m19s
